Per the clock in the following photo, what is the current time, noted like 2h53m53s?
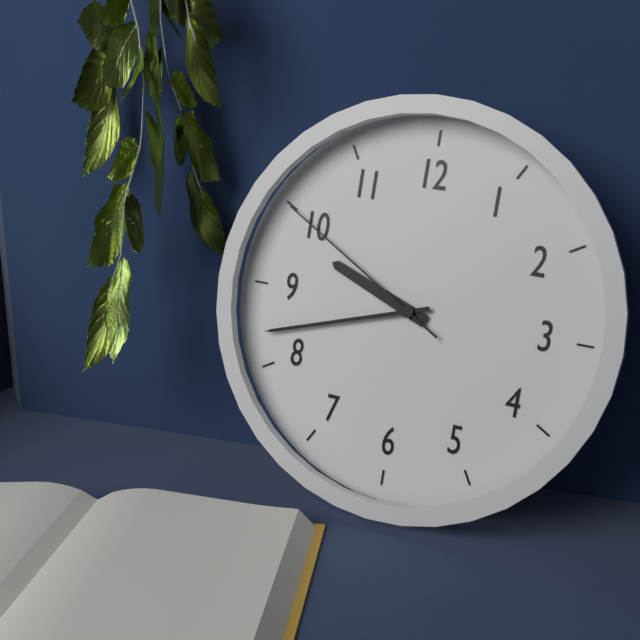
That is 9h42m50s
